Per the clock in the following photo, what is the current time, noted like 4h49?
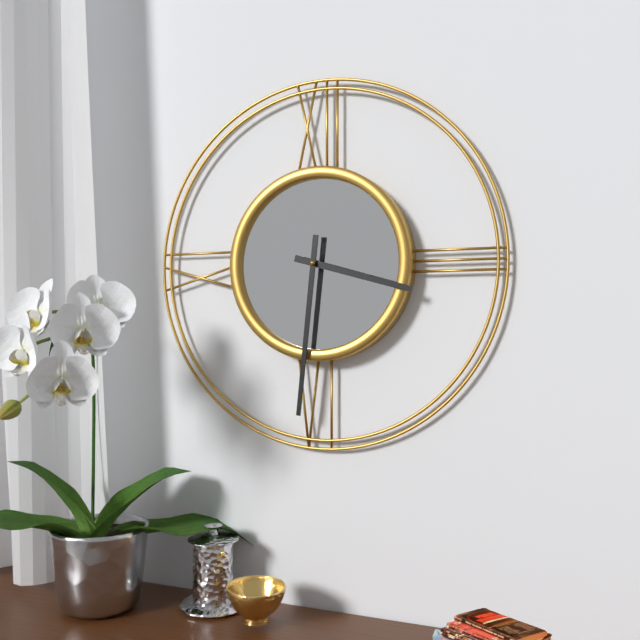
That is 3h31
